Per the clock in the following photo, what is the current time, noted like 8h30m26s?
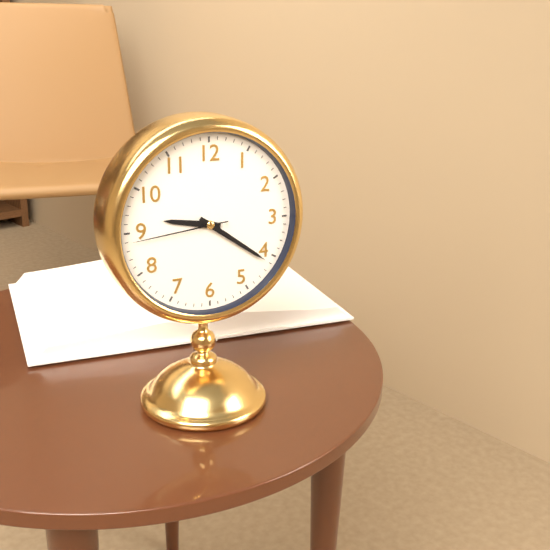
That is 9h21m44s
